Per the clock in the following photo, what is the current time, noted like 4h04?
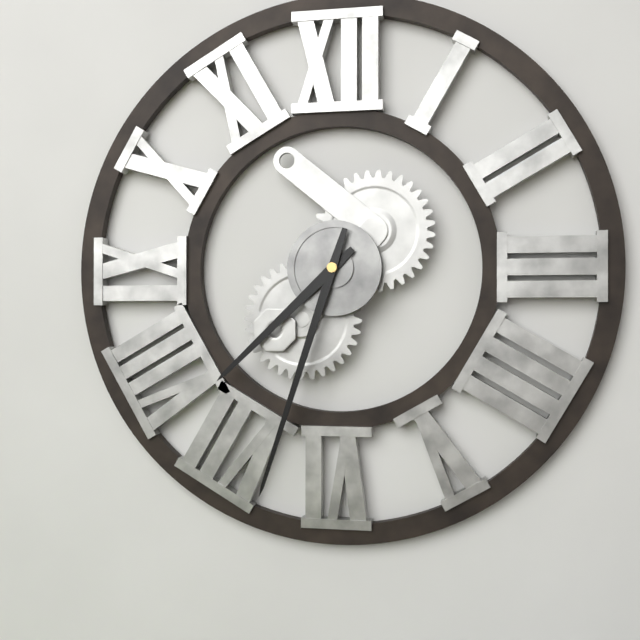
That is 7h33
